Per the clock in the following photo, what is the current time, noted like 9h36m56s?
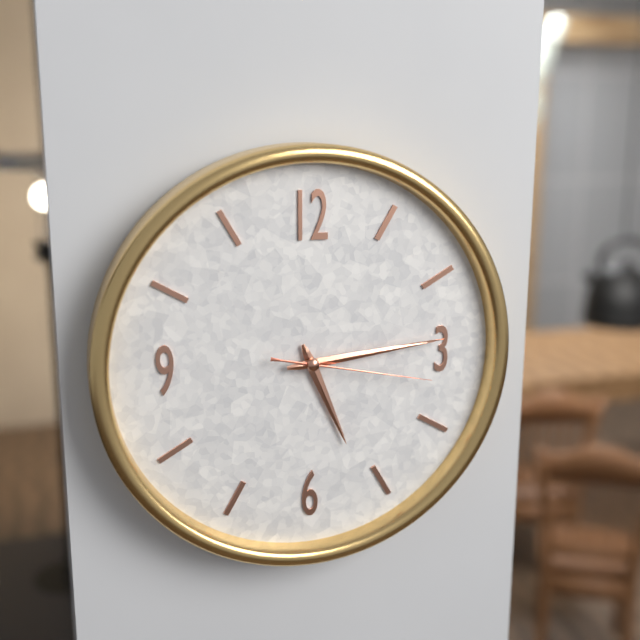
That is 5h14m17s
